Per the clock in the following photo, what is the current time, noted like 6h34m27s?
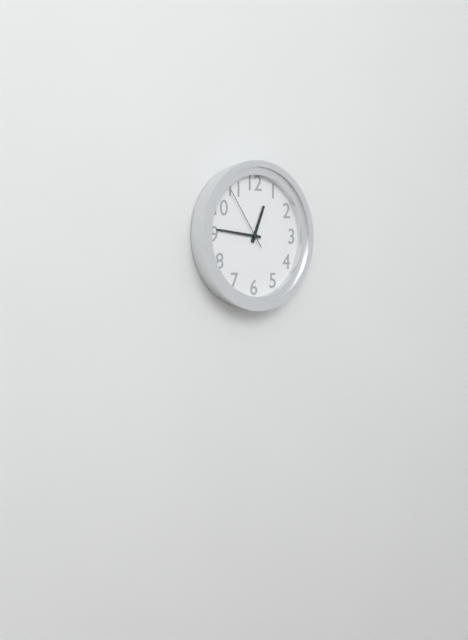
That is 12h46m54s
